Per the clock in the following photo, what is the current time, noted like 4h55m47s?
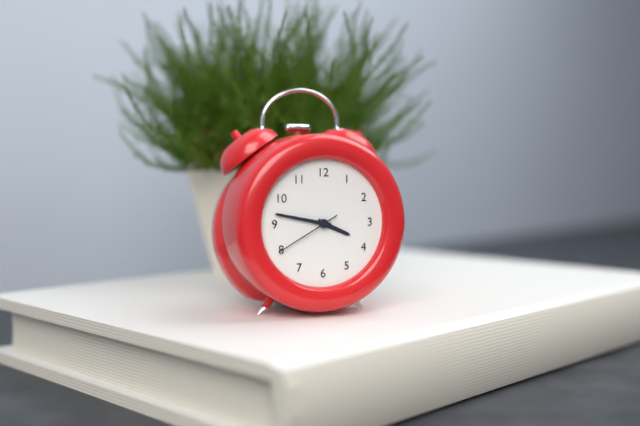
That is 3h47m40s
